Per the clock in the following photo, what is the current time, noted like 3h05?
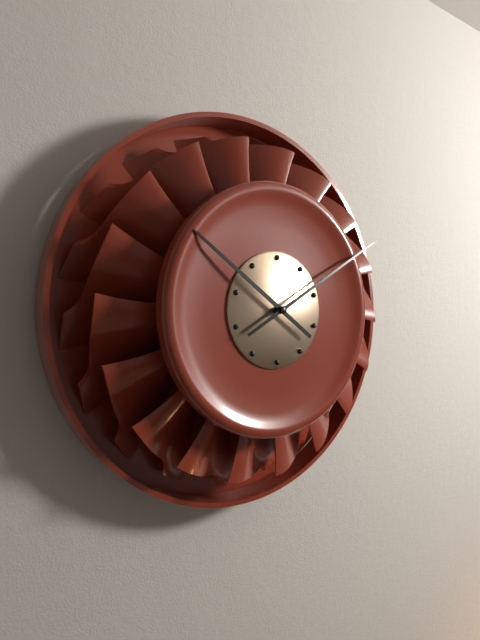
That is 10h10
